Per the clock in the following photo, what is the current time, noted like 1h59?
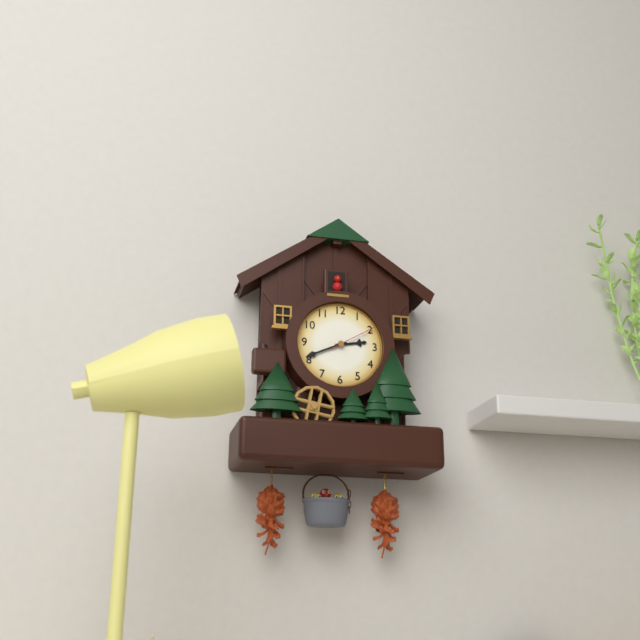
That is 2h41
